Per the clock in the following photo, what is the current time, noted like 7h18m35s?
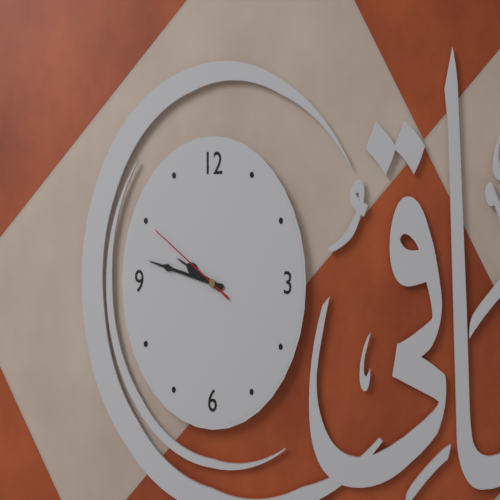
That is 9h47m50s
